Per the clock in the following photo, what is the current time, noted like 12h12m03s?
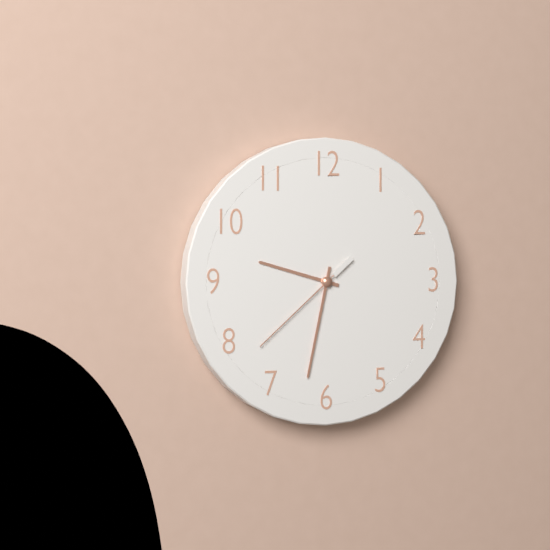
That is 9h32m38s
